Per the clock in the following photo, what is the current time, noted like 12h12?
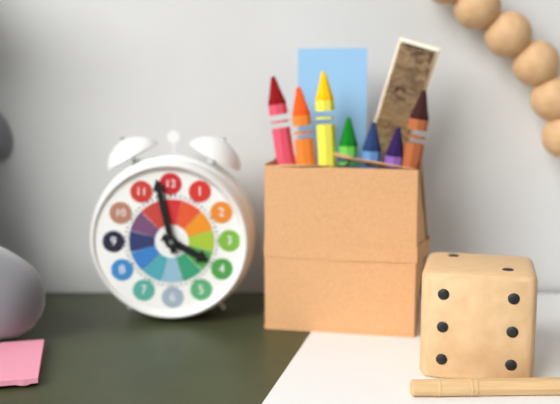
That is 3h58
